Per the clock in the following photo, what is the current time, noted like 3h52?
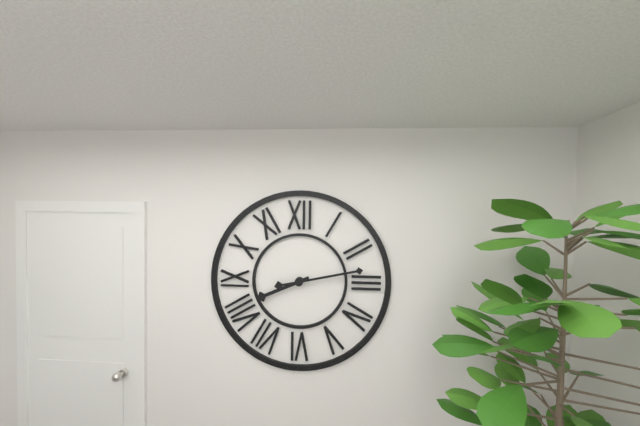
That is 8h13
